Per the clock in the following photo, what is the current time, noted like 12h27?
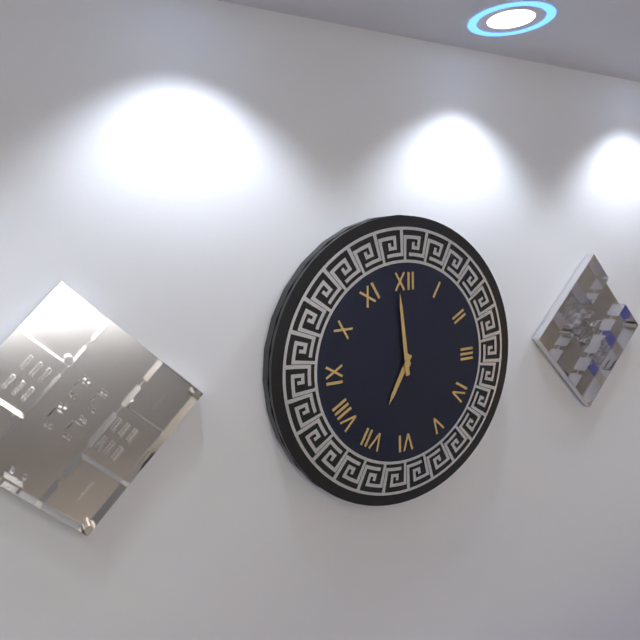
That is 6h59
